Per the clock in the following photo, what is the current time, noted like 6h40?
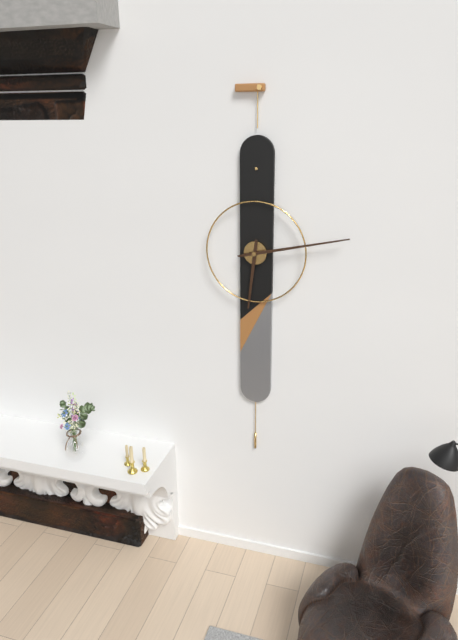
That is 6h13
